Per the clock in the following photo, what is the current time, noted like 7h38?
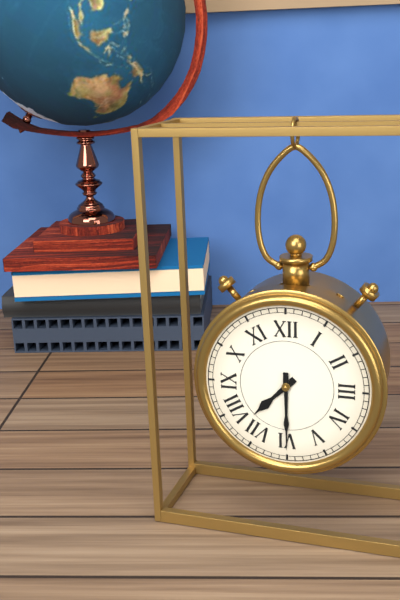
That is 7h30
